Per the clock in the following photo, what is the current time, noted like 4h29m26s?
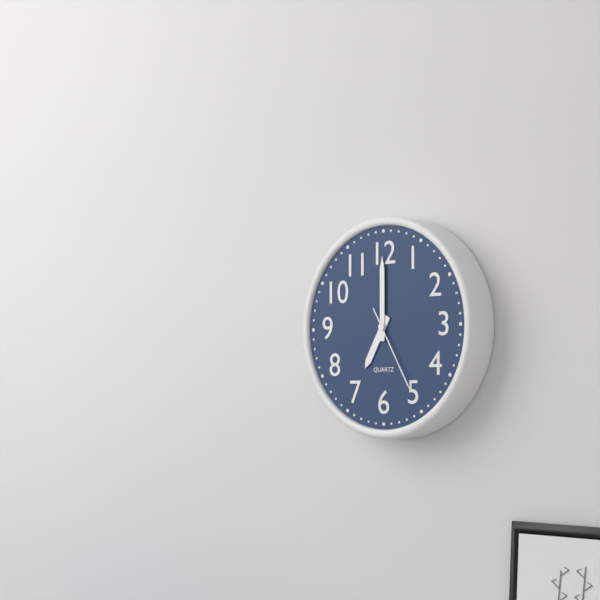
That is 7h00m25s
